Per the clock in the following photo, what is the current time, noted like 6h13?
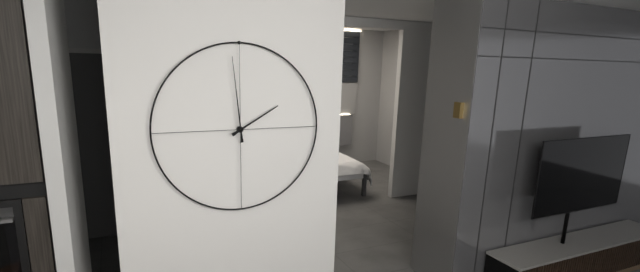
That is 1h59
